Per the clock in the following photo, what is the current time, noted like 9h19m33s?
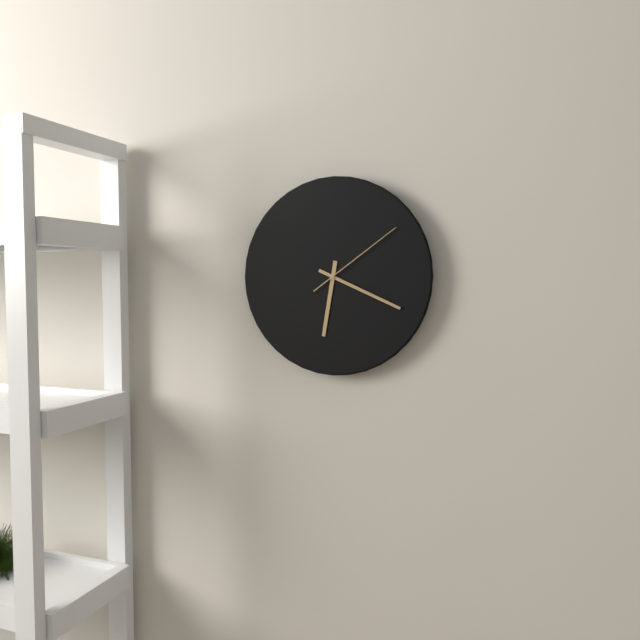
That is 6h19m09s
